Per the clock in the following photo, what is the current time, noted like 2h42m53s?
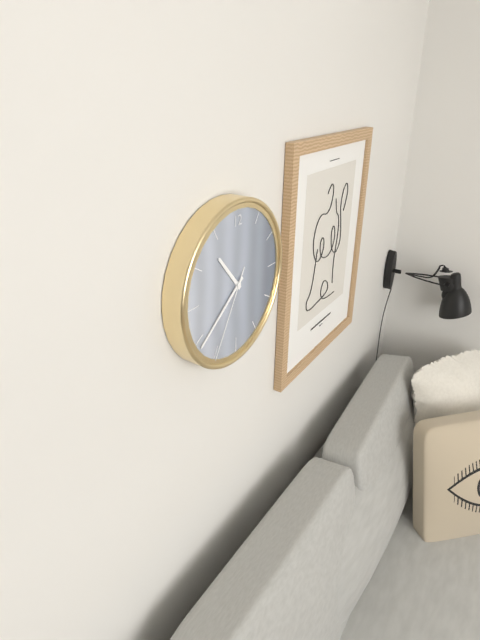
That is 10h39m35s
